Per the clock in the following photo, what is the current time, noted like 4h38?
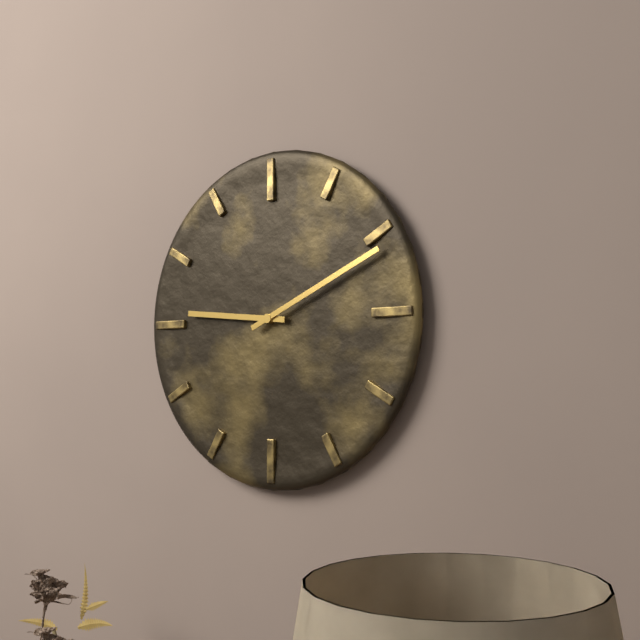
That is 9h11
